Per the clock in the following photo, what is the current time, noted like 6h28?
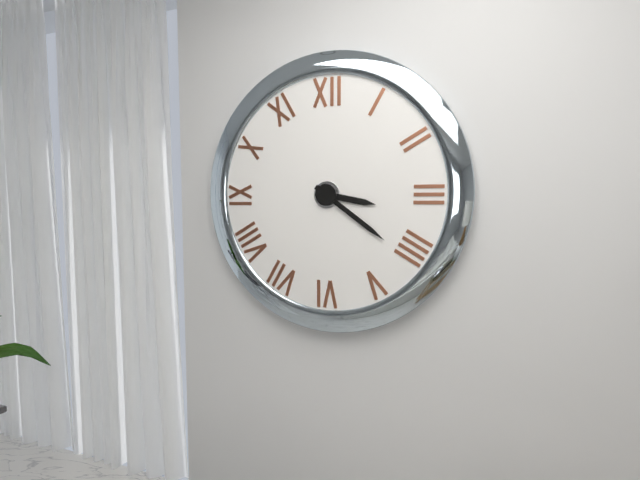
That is 3h21
